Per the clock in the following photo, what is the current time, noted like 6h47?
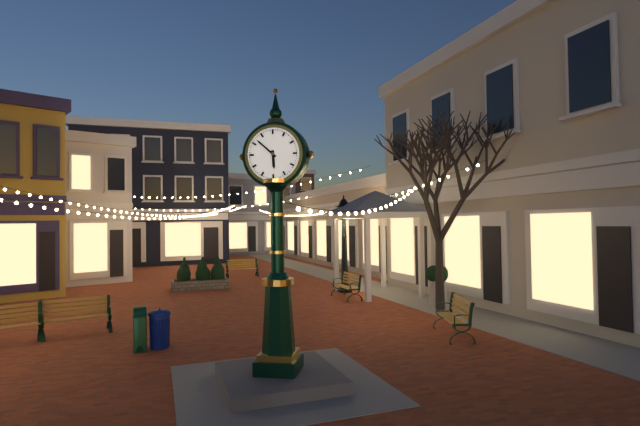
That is 5h52
